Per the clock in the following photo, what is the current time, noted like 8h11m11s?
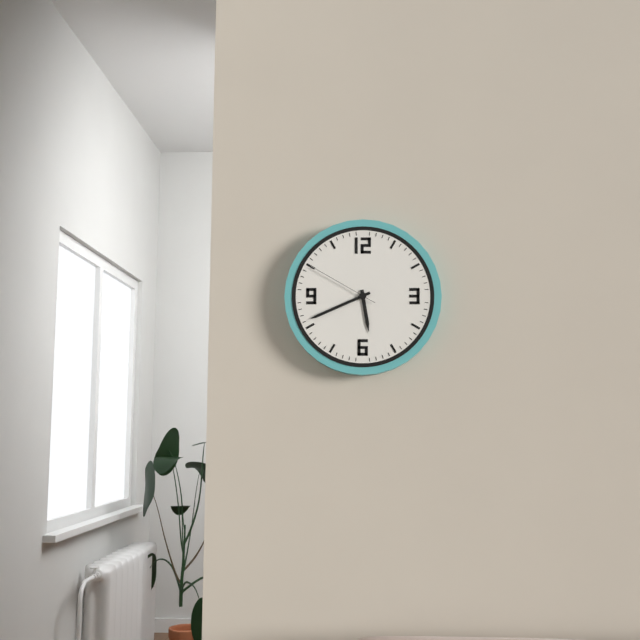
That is 5h41m50s
